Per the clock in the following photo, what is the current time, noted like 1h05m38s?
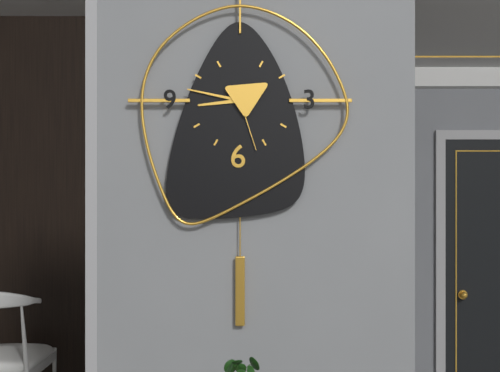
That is 8h47m27s
